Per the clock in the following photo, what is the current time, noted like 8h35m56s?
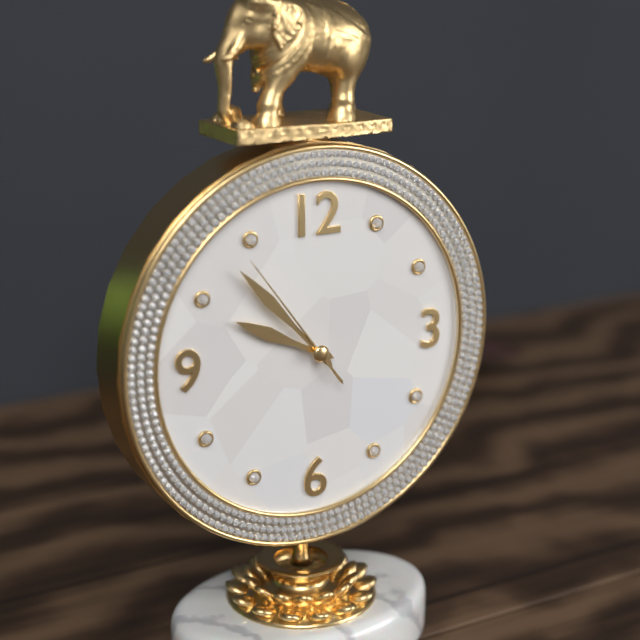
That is 9h53m54s
